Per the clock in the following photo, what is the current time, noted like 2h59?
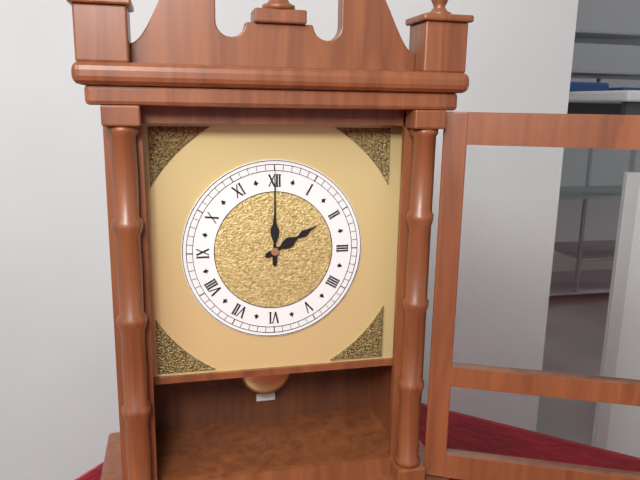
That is 2h00
